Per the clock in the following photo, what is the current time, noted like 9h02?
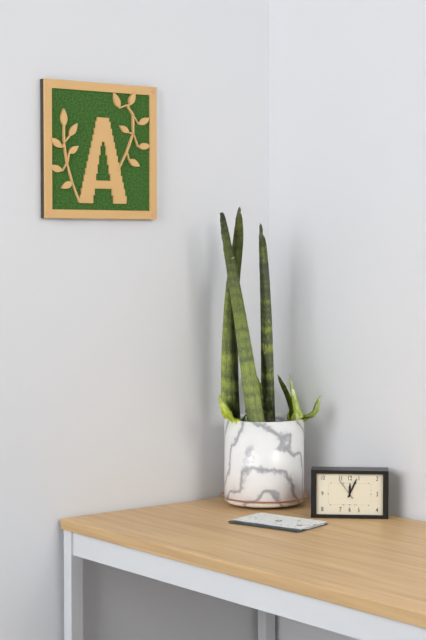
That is 12h04
